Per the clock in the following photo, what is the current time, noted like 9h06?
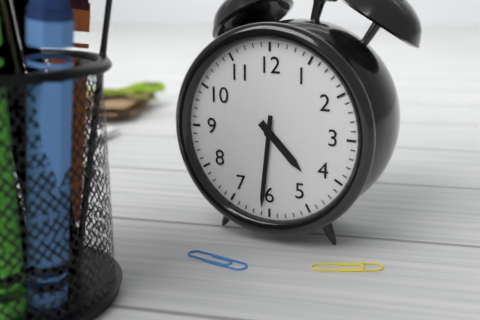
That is 4h31
